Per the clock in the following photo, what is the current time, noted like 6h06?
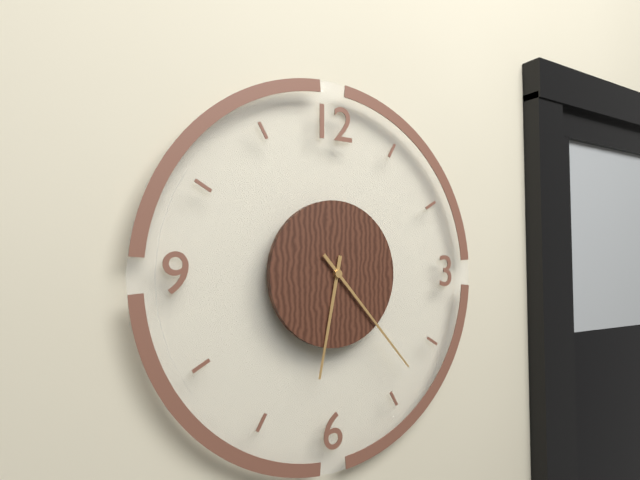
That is 6h23
